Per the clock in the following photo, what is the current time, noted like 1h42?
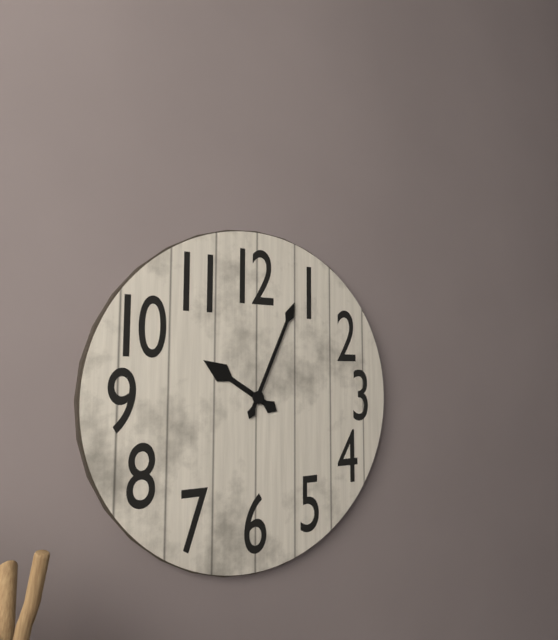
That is 10h04
